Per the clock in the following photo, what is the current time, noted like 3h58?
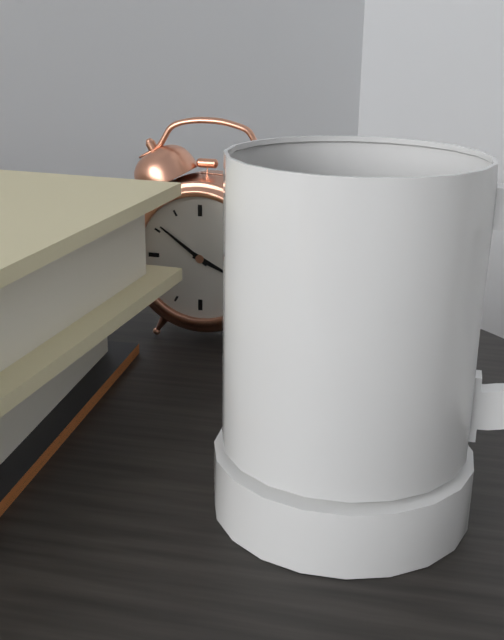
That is 3h51
